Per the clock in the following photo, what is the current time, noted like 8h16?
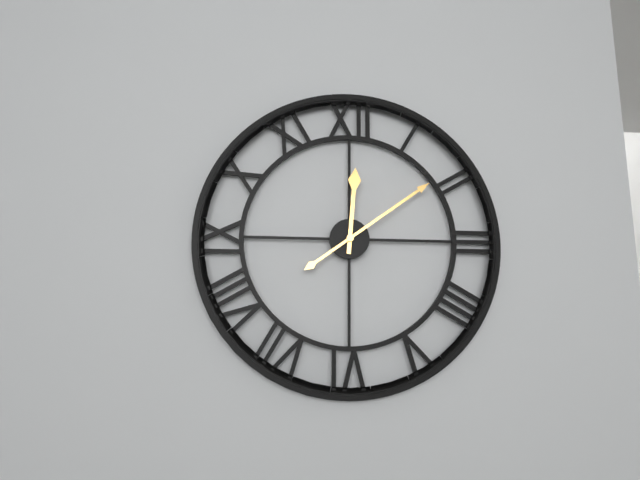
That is 12h09
